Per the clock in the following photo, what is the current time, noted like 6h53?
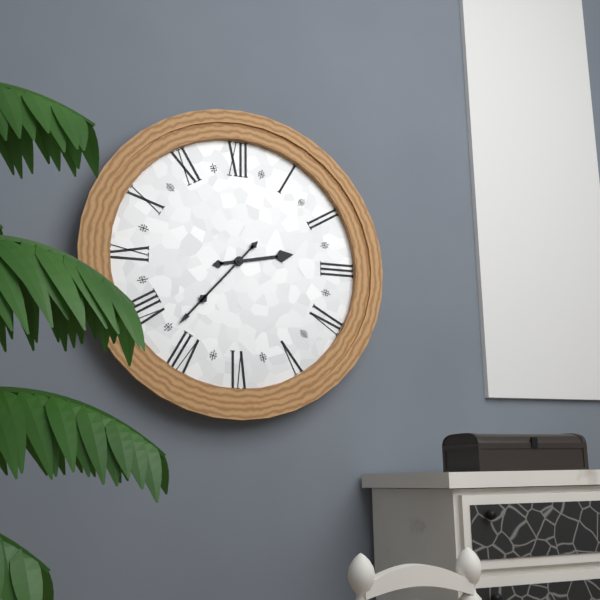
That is 2h37
